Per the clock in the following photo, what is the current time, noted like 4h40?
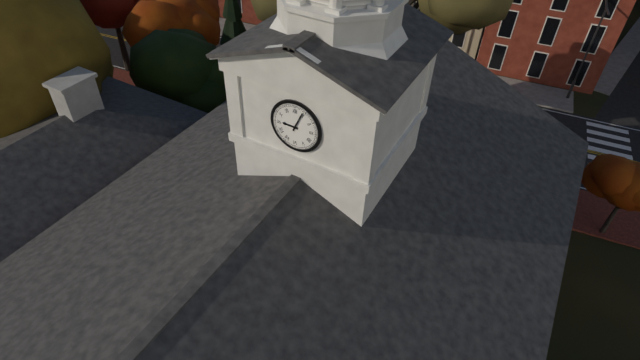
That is 9h04
